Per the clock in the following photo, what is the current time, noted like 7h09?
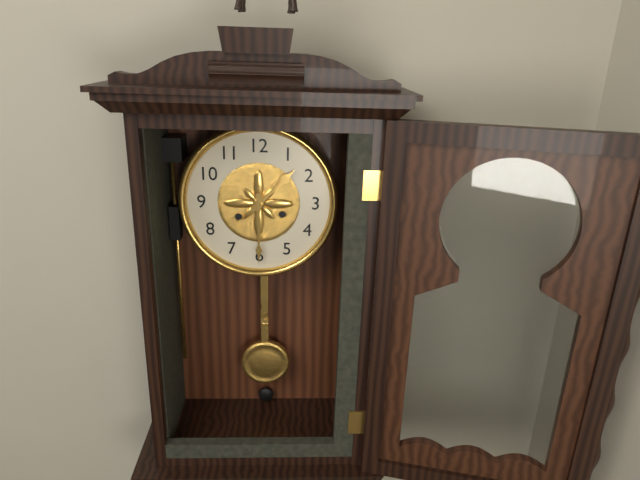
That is 1h30
